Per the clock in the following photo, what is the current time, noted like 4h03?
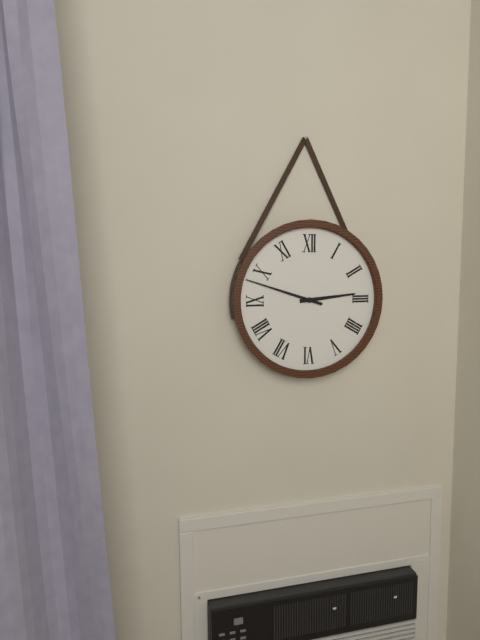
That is 2h48
